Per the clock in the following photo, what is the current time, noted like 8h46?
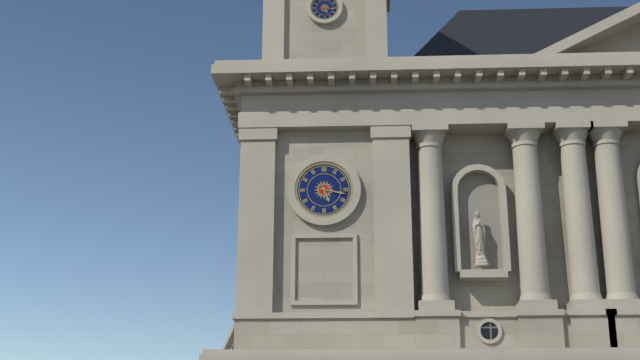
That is 5h17
